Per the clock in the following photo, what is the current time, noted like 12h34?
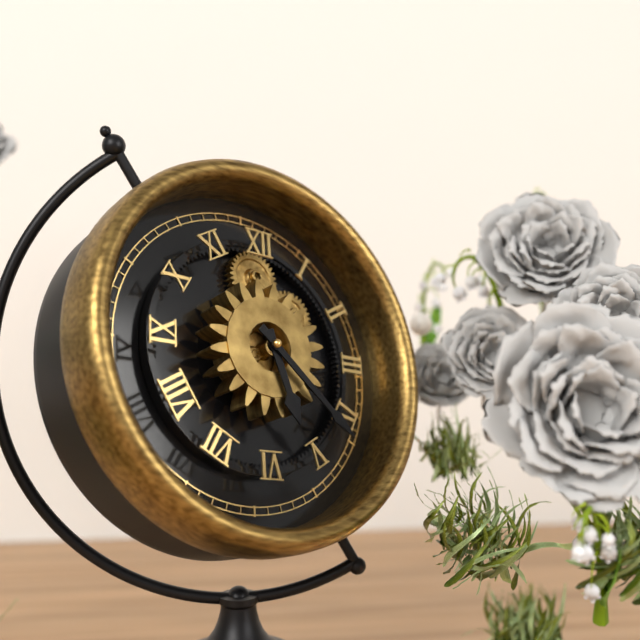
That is 5h22
